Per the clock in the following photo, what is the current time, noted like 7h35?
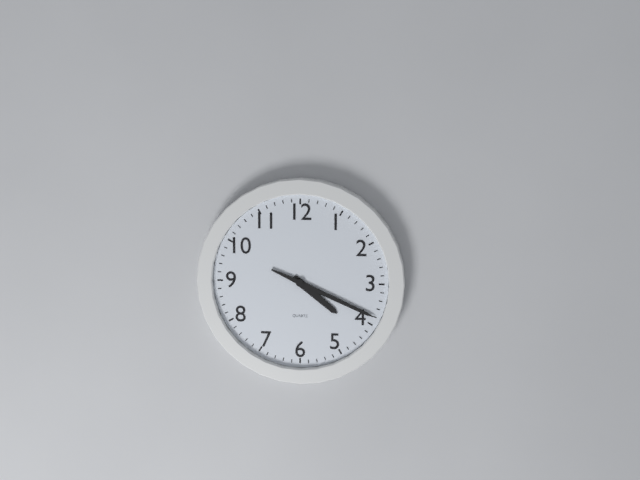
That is 4h19
